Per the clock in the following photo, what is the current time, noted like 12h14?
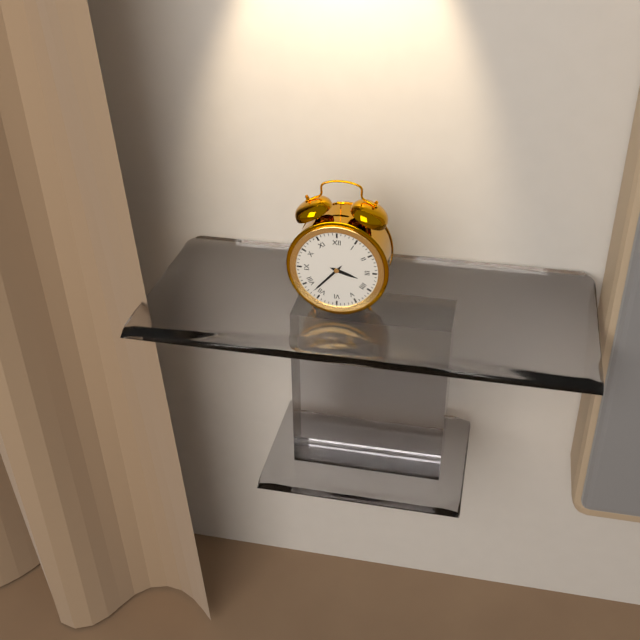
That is 3h37
